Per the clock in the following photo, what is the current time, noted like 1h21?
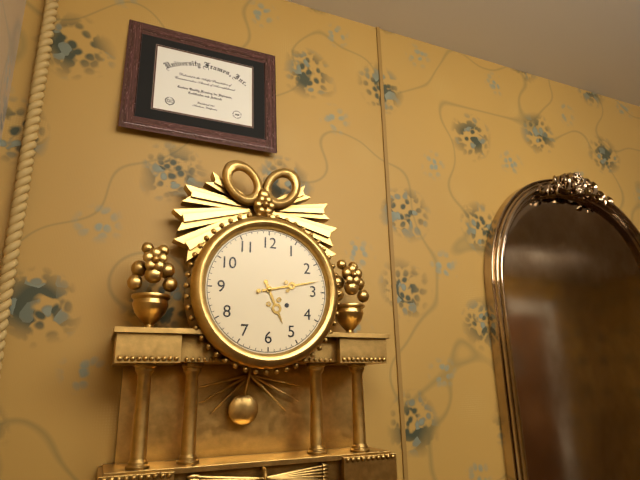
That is 5h13
